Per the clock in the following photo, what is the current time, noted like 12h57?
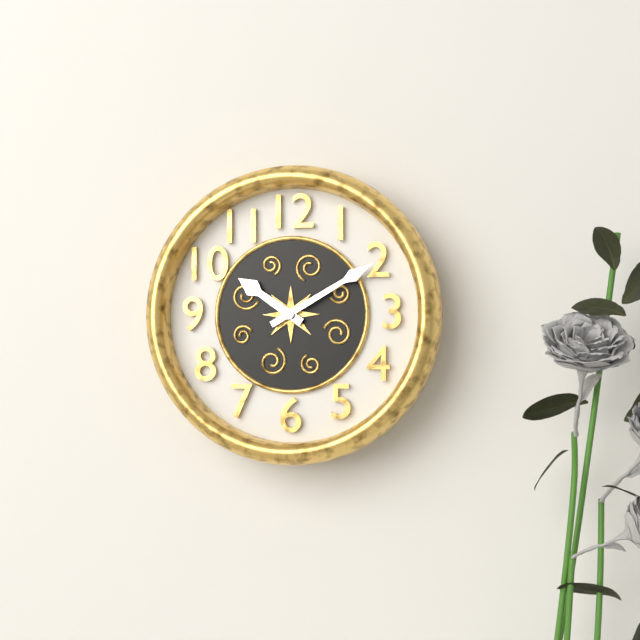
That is 10h10
